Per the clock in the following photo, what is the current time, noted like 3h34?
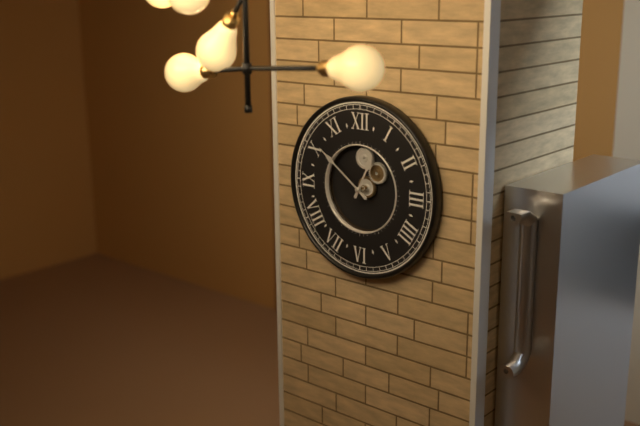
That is 12h51
